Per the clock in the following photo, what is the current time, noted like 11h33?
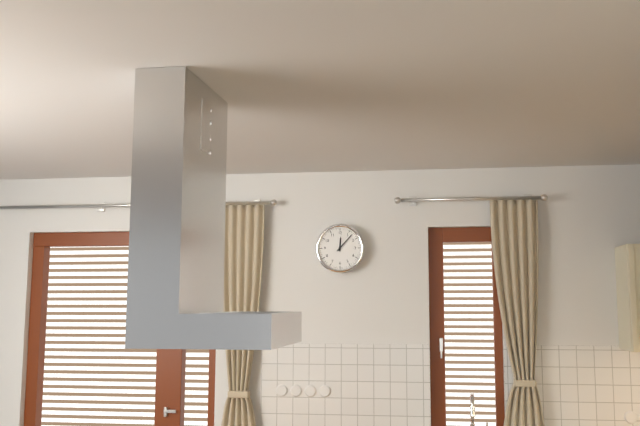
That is 12h07
